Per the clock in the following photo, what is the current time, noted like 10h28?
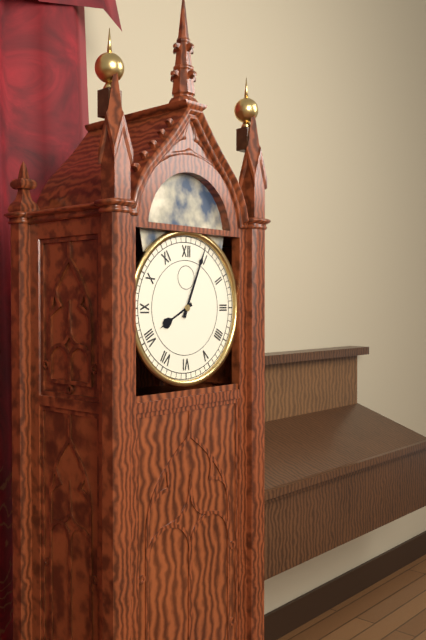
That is 8h04
